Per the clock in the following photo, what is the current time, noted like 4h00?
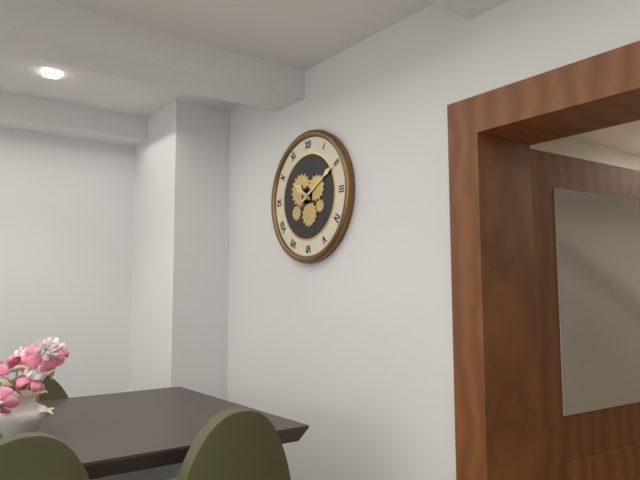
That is 10h10
